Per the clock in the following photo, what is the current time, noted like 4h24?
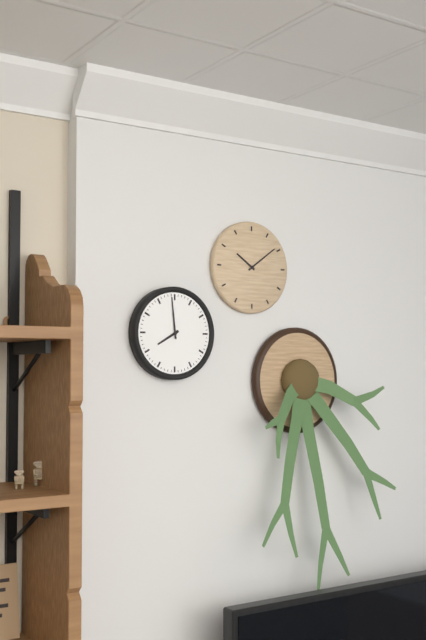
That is 7h59
